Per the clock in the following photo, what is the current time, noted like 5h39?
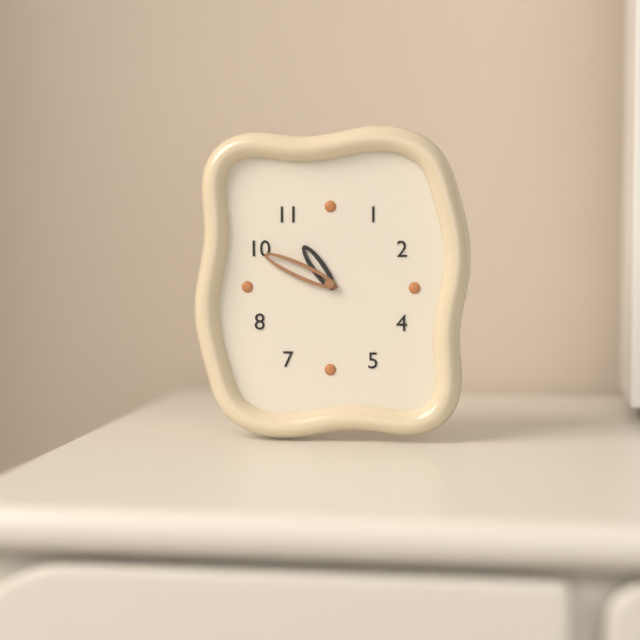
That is 10h49
